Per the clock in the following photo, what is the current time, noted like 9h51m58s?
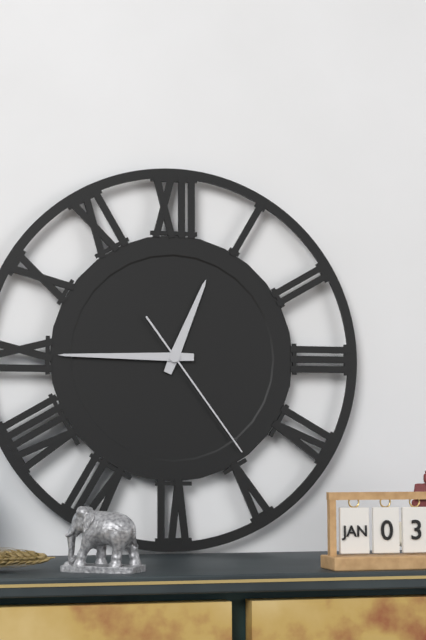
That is 12h45m24s
